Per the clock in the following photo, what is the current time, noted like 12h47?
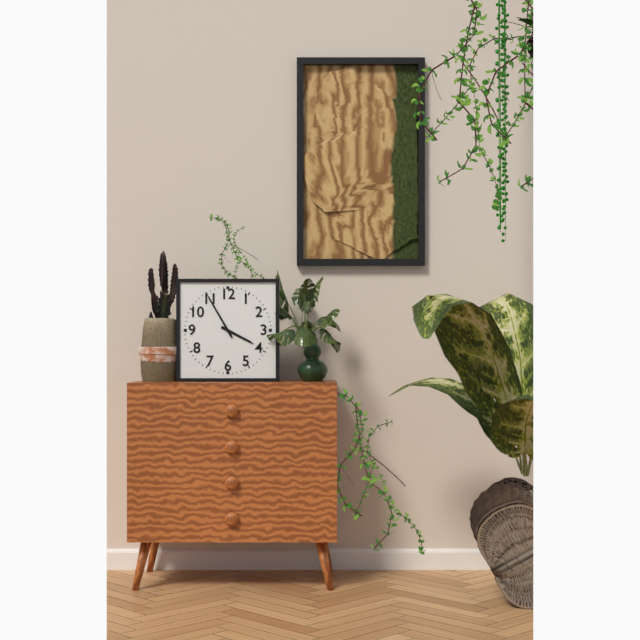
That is 3h55
